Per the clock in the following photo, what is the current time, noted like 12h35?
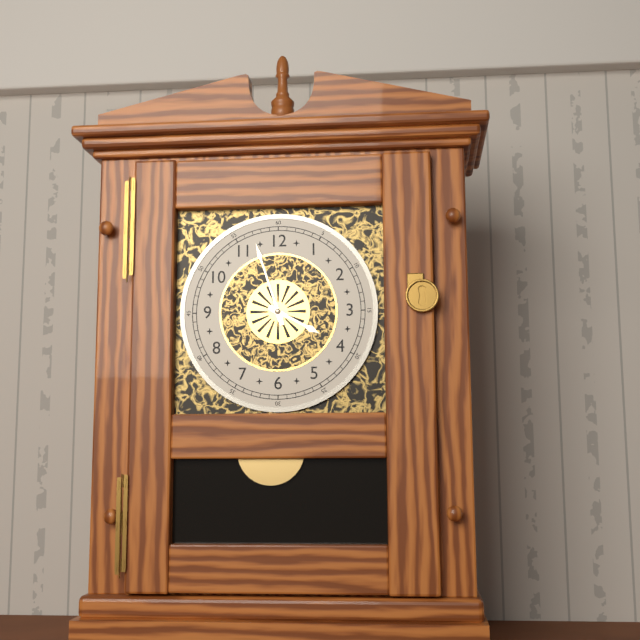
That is 3h57
